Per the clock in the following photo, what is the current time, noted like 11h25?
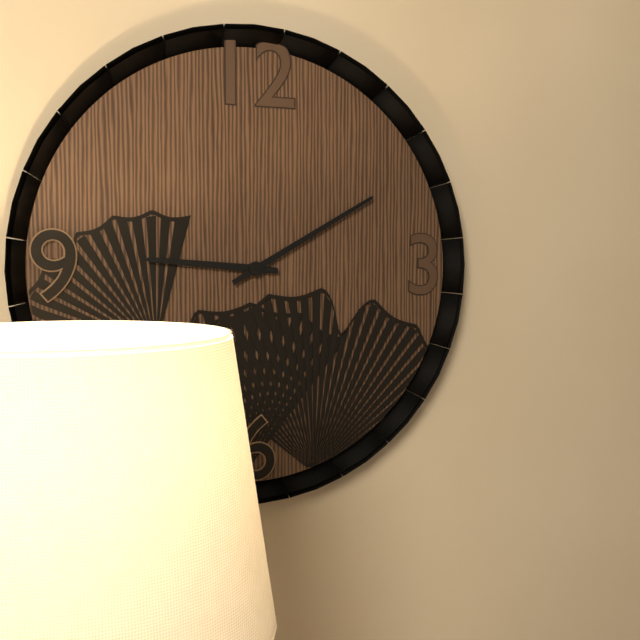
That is 9h10
